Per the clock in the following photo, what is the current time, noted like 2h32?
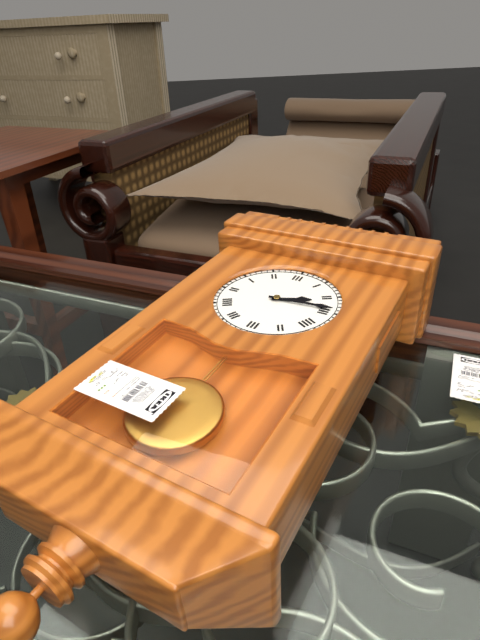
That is 2h14
